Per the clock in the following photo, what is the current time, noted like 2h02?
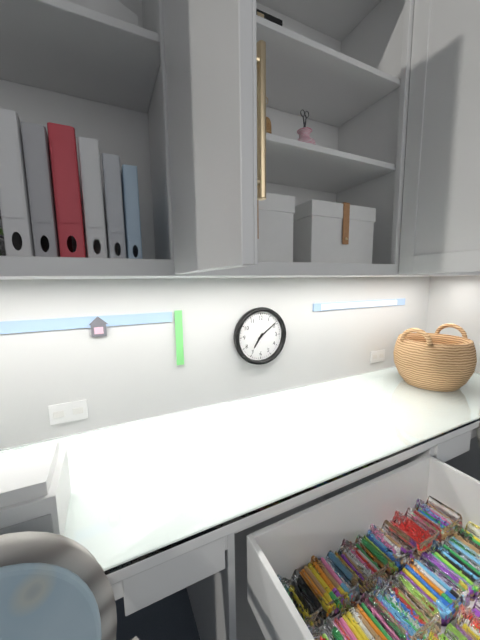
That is 7h09
